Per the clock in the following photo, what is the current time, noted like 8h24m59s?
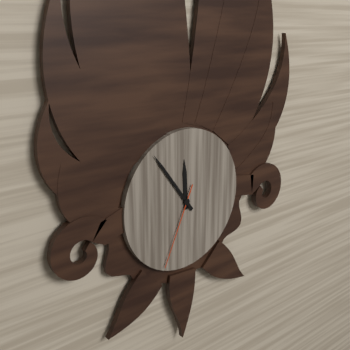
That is 11h54m34s
